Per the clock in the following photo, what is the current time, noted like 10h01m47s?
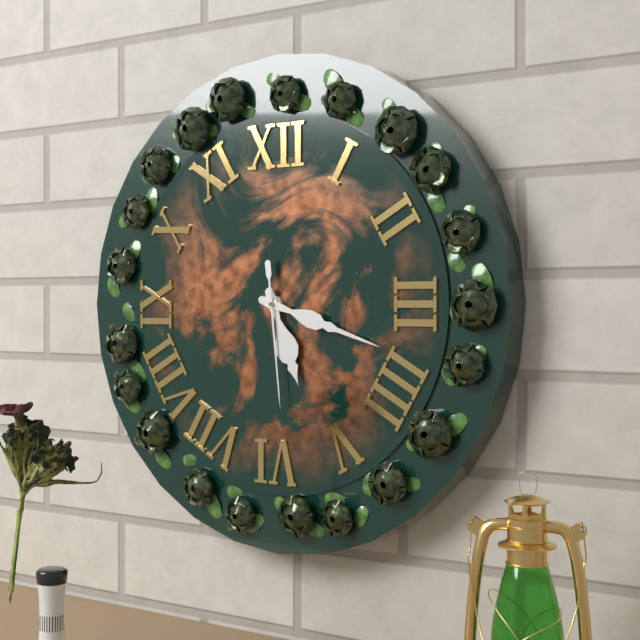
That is 5h18m29s
